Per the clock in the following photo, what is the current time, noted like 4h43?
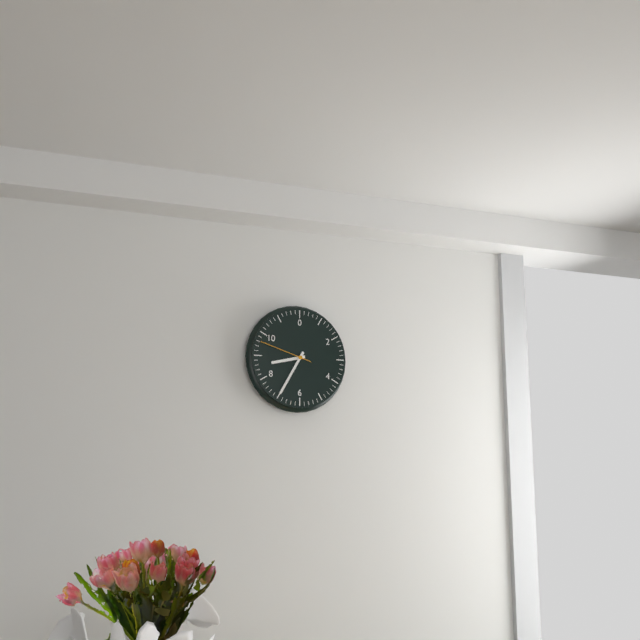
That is 8h35
